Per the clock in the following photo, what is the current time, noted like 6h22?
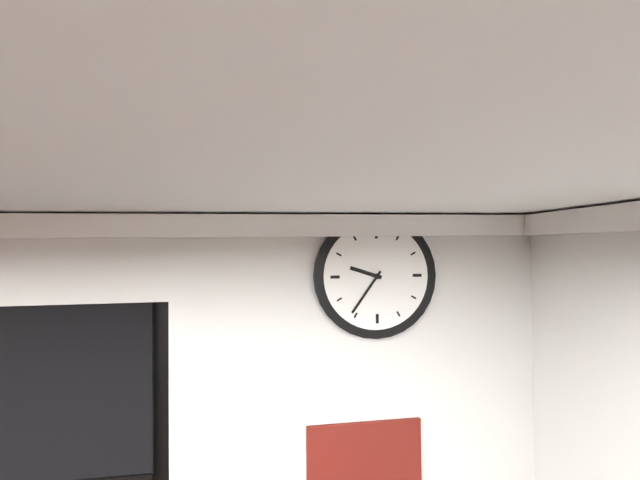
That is 9h36
